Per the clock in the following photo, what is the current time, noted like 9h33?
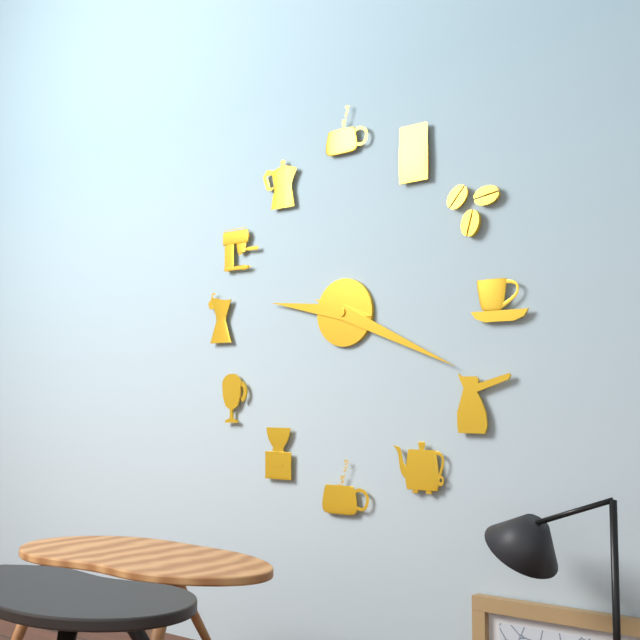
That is 9h19
